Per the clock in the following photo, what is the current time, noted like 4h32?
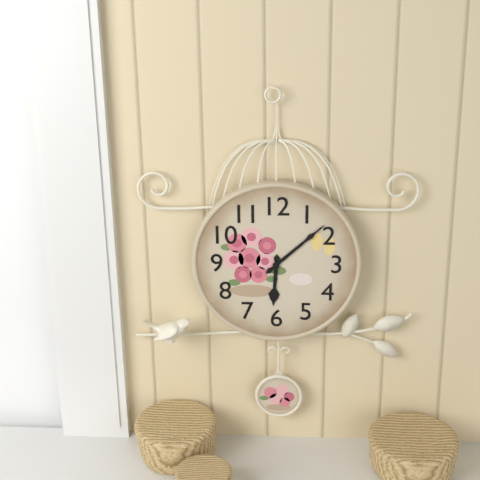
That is 6h08
